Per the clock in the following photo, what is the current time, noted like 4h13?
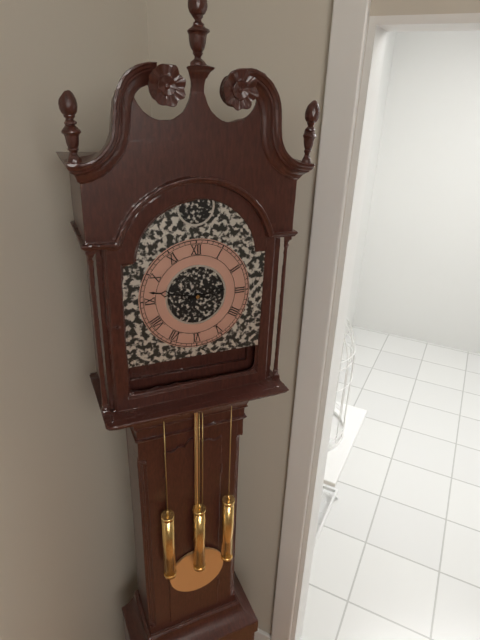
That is 2h47
